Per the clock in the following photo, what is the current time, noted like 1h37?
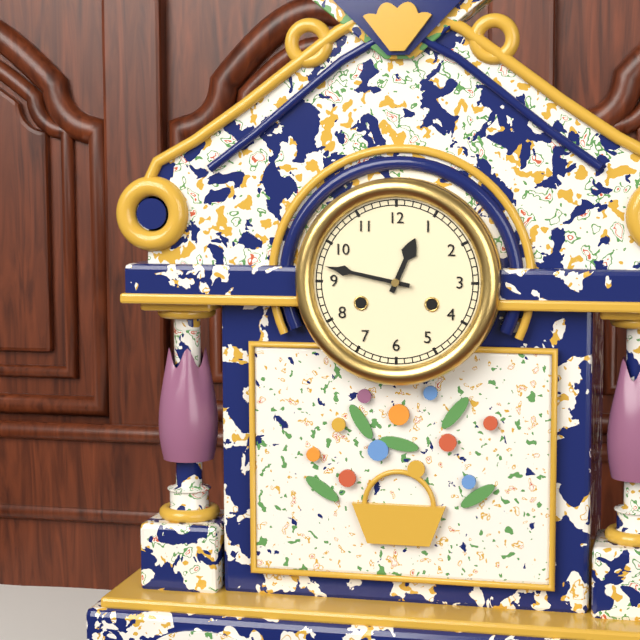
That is 12h47
